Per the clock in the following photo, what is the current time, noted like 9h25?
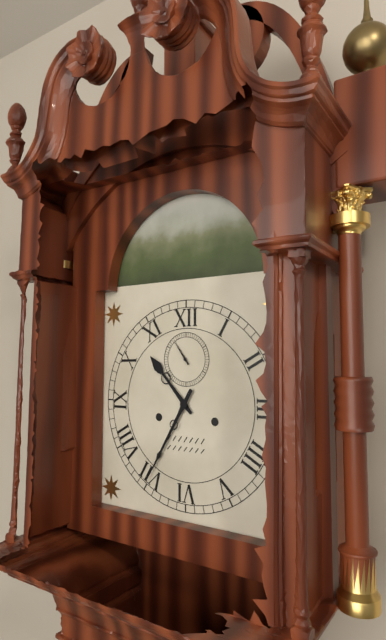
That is 10h35
